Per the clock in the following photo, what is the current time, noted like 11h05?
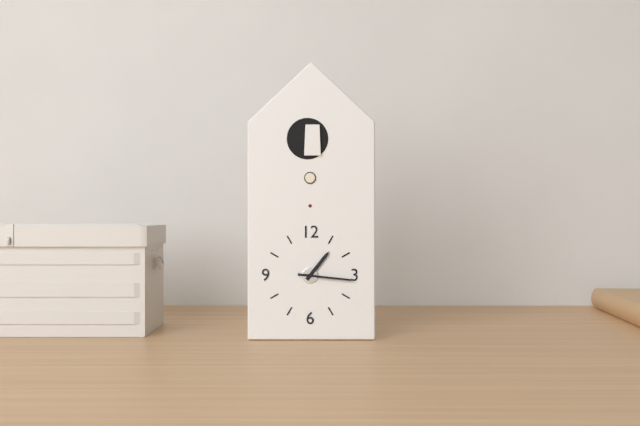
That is 1h16
